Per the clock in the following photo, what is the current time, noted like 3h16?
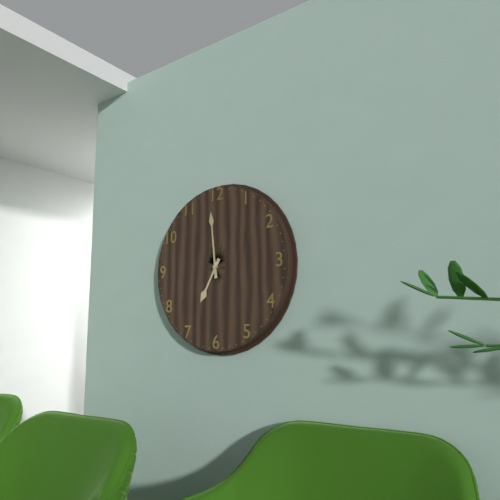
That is 6h59
